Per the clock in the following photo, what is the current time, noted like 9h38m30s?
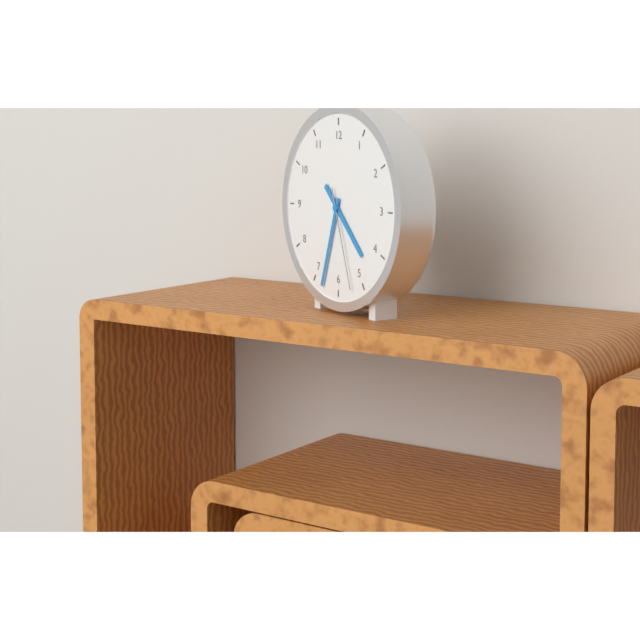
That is 4h33m27s
